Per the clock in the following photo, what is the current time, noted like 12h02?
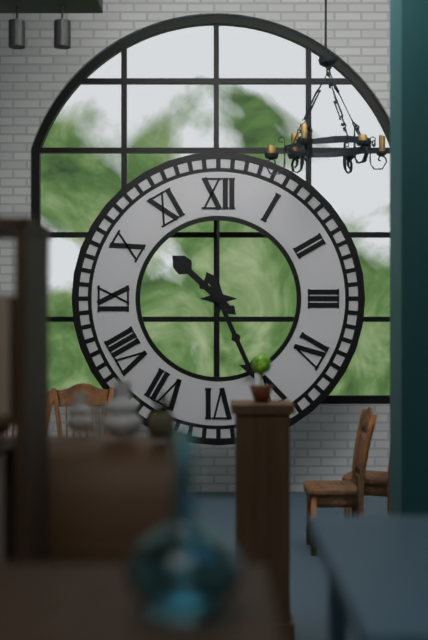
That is 10h26
